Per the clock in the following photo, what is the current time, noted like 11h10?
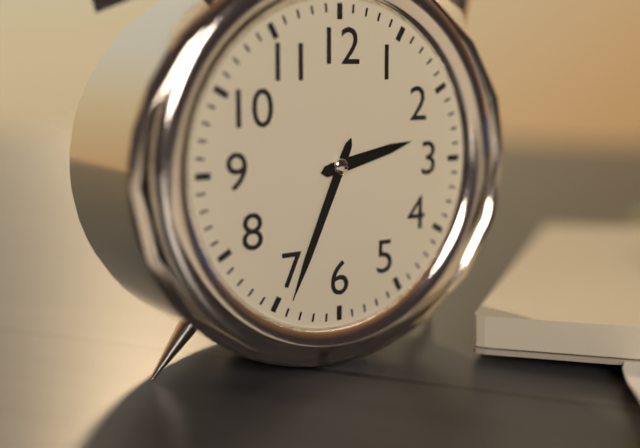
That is 2h34
